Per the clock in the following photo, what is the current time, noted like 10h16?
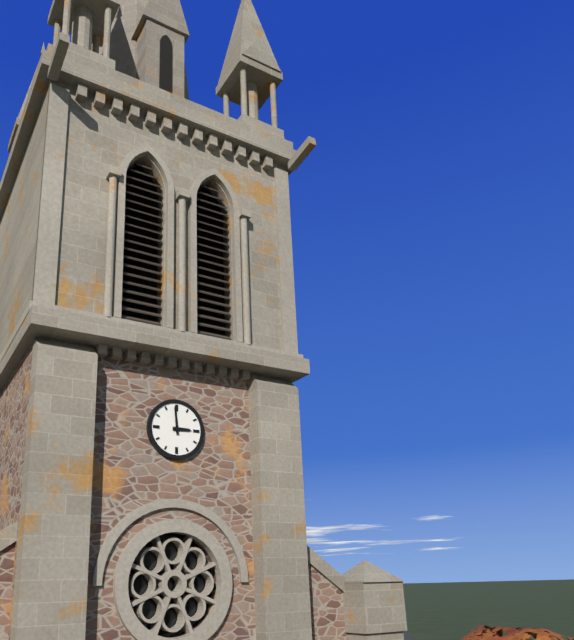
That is 2h59
